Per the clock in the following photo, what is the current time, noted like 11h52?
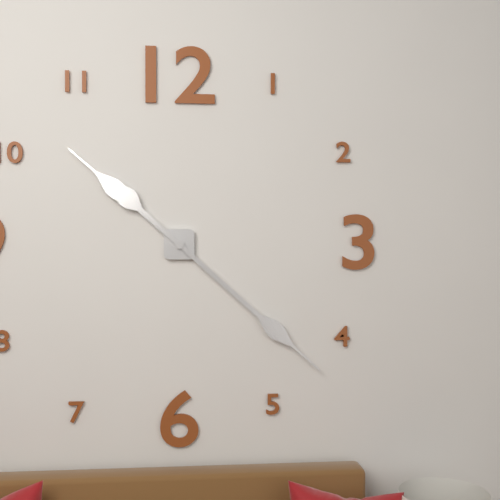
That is 10h22
